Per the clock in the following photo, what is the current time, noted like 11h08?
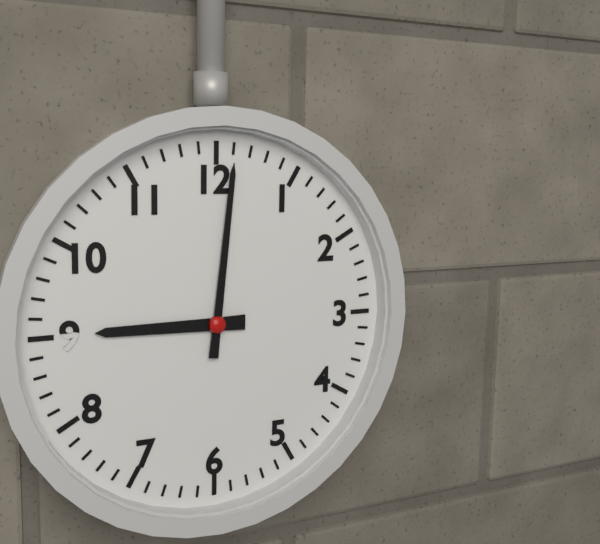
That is 9h01
